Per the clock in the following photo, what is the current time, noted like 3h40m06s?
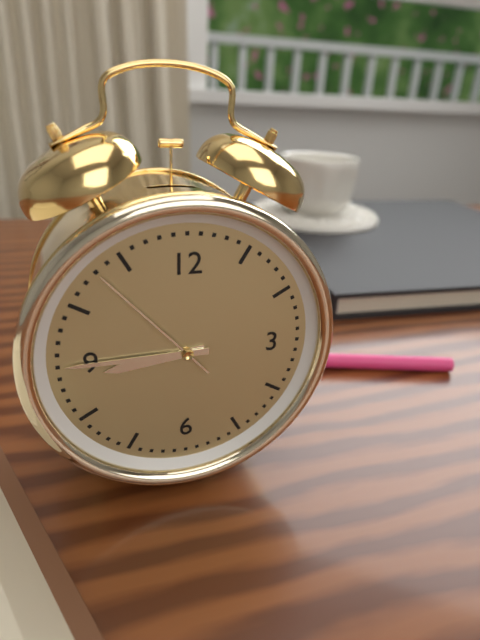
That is 8h45m53s
